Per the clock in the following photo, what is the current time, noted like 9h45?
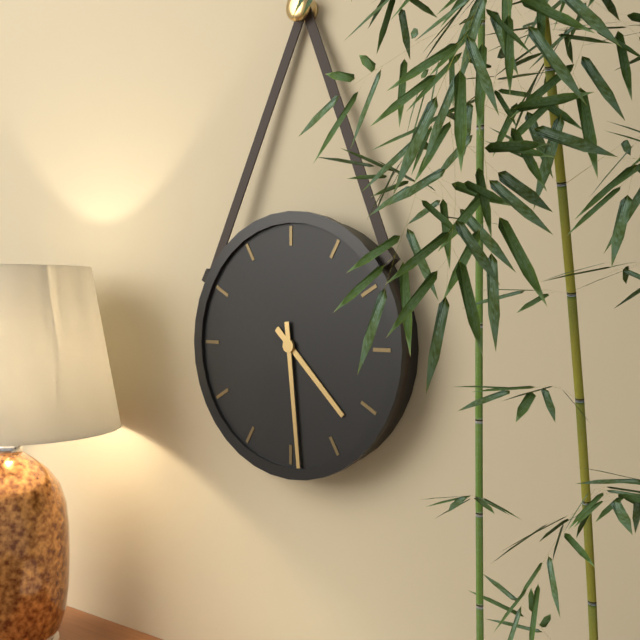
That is 4h29
